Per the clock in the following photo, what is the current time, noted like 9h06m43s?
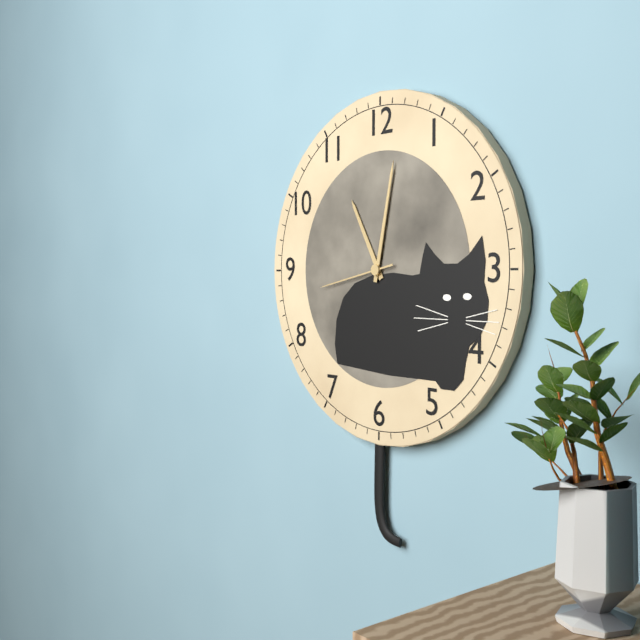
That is 11h02m43s
